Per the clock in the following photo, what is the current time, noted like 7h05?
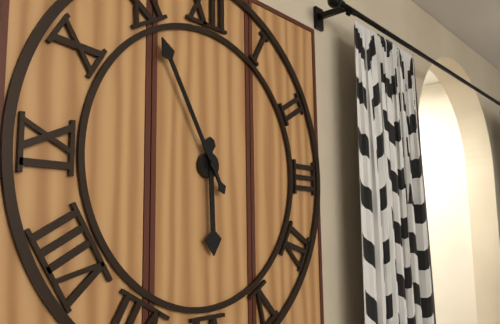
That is 5h55
